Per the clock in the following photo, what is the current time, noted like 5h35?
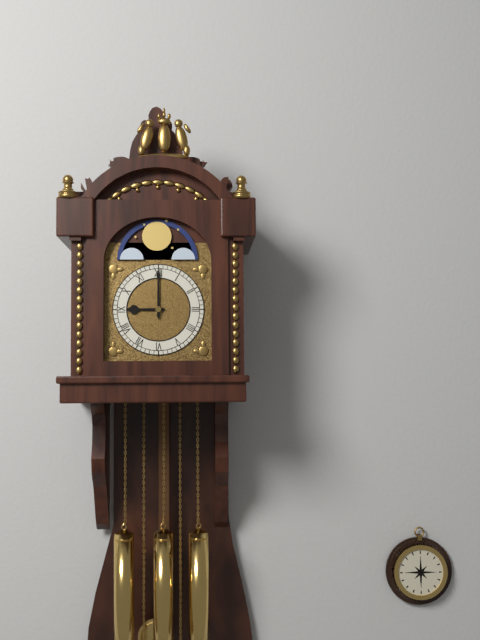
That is 9h00
